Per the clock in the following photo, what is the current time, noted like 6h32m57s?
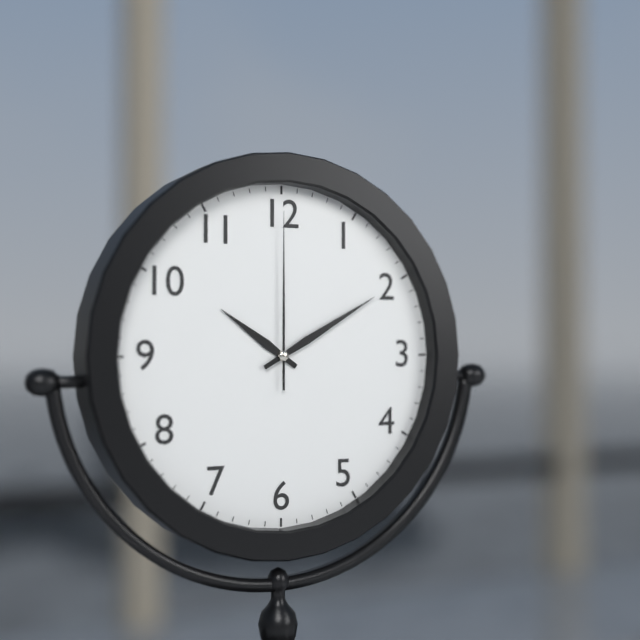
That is 10h10m00s
